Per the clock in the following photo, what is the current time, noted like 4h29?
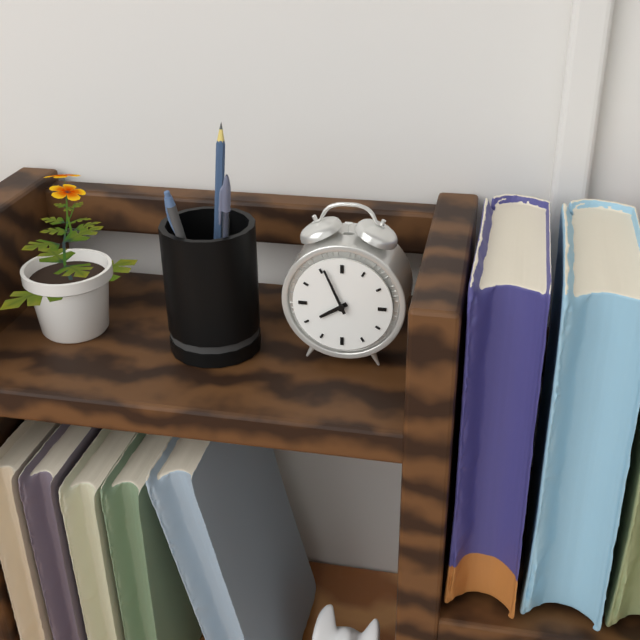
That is 7h56
